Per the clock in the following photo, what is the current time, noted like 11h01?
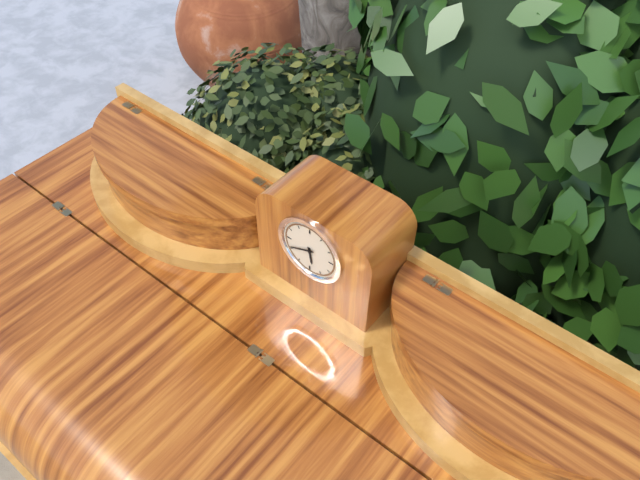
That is 5h41
